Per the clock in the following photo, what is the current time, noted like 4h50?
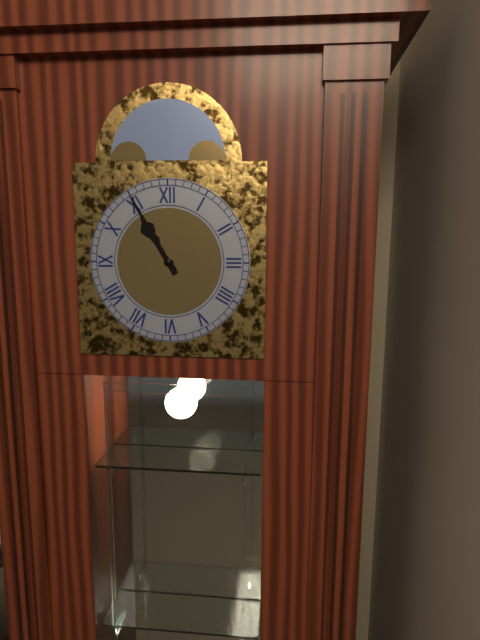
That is 10h55
